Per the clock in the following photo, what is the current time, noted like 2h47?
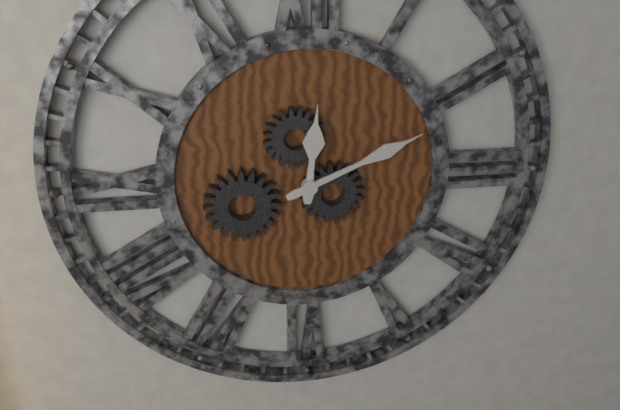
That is 12h11
